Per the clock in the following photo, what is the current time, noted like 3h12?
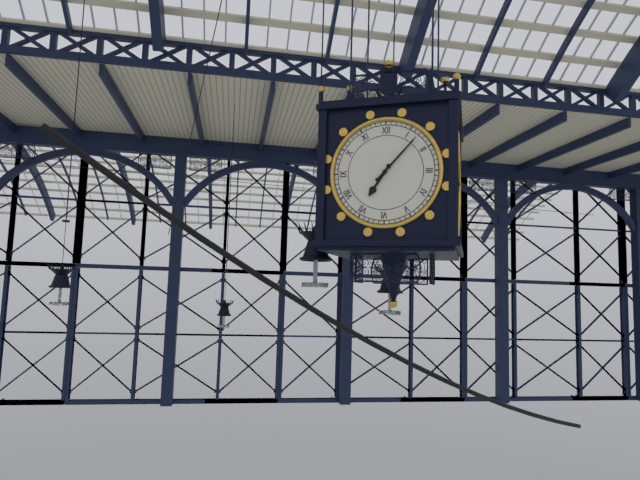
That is 7h07
